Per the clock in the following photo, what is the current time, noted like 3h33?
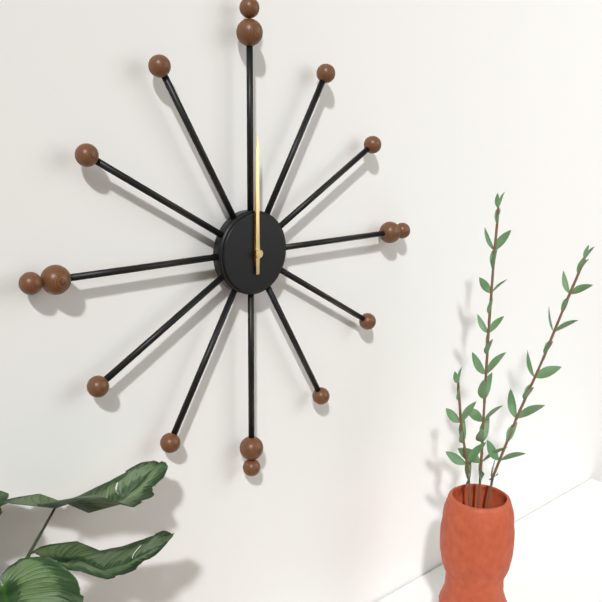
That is 12h00
